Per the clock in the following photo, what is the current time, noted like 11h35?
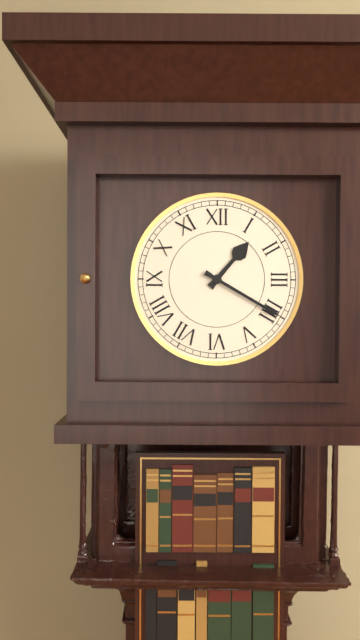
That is 1h20
